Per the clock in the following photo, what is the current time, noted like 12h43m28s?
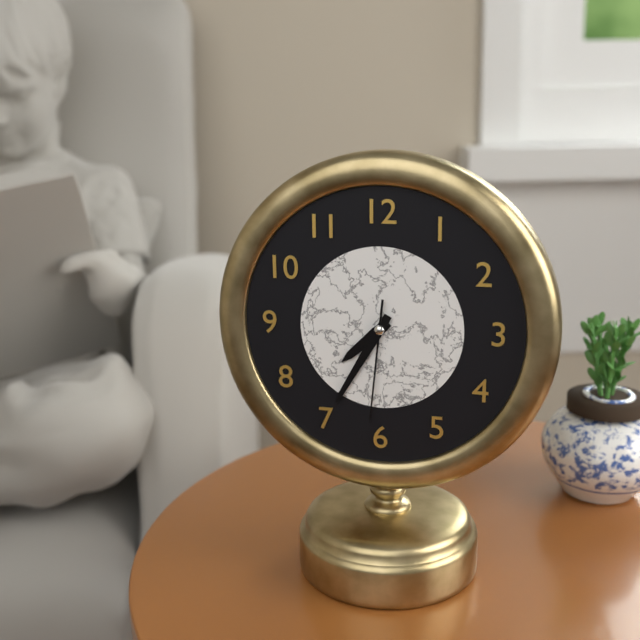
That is 7h35m31s
